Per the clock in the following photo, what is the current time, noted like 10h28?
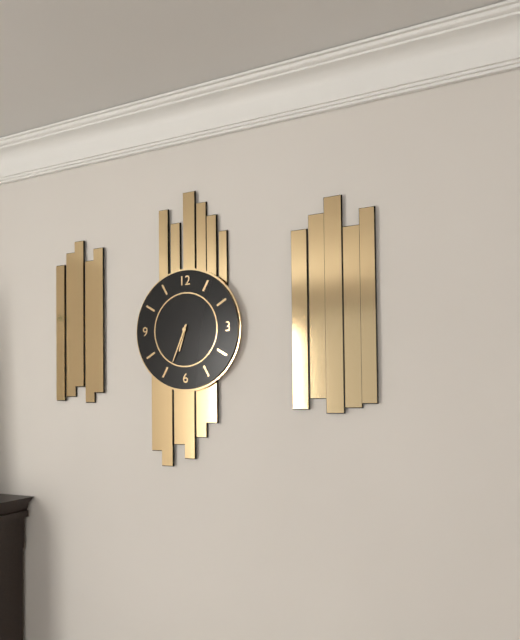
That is 6h34
